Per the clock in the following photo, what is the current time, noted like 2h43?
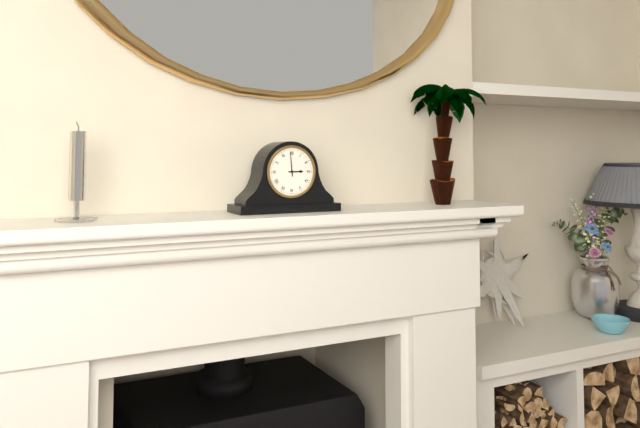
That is 2h59
